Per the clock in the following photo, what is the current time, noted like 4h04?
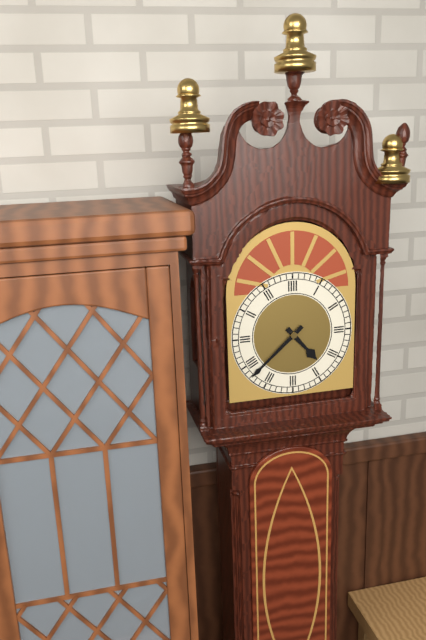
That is 4h38
